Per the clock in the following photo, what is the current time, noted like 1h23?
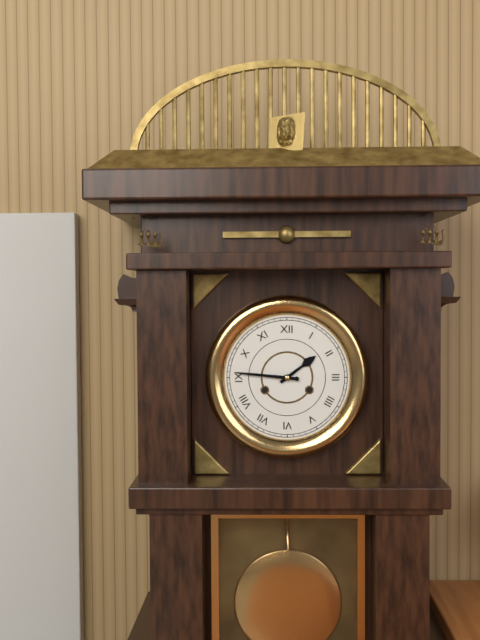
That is 1h46
